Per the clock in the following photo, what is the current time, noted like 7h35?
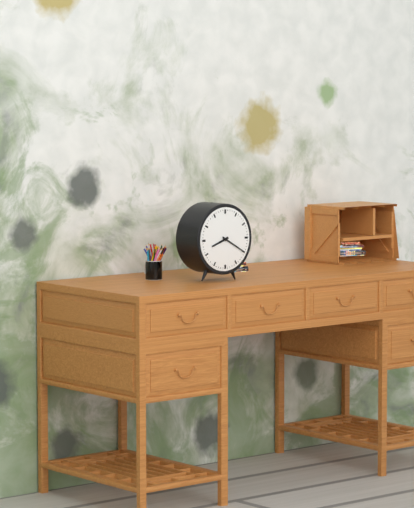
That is 8h20
